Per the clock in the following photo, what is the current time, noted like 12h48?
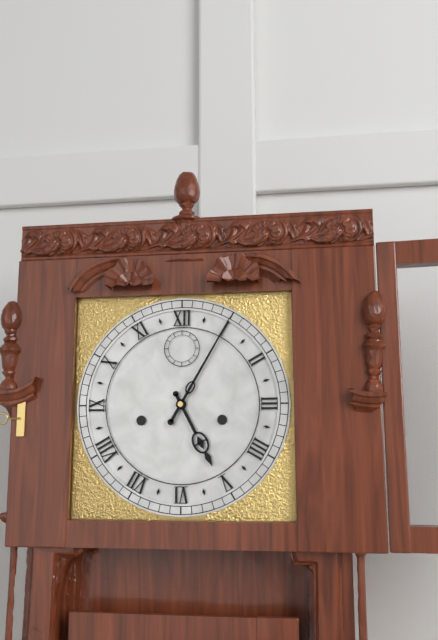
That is 5h05
